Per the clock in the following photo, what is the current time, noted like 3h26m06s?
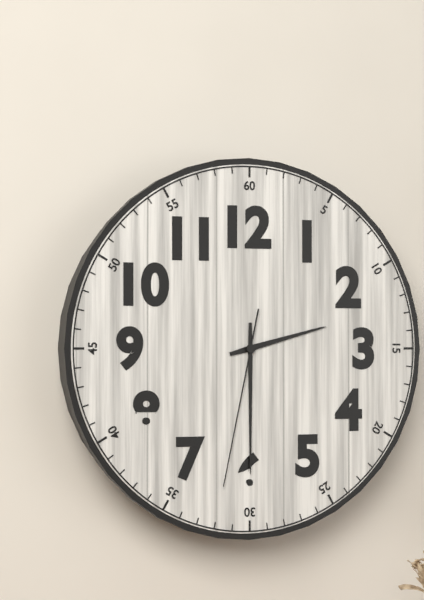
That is 2h30m32s
